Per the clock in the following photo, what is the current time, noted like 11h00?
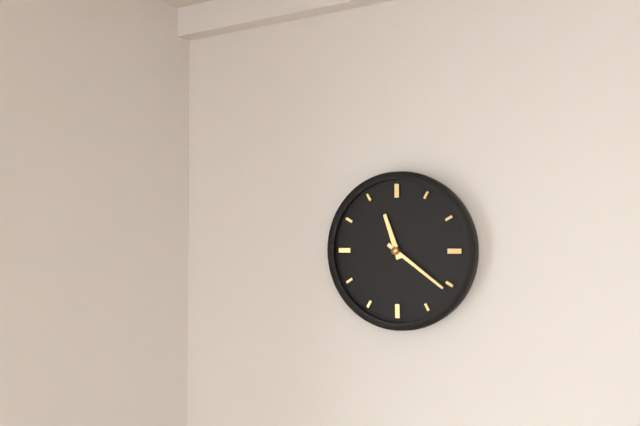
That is 11h21
